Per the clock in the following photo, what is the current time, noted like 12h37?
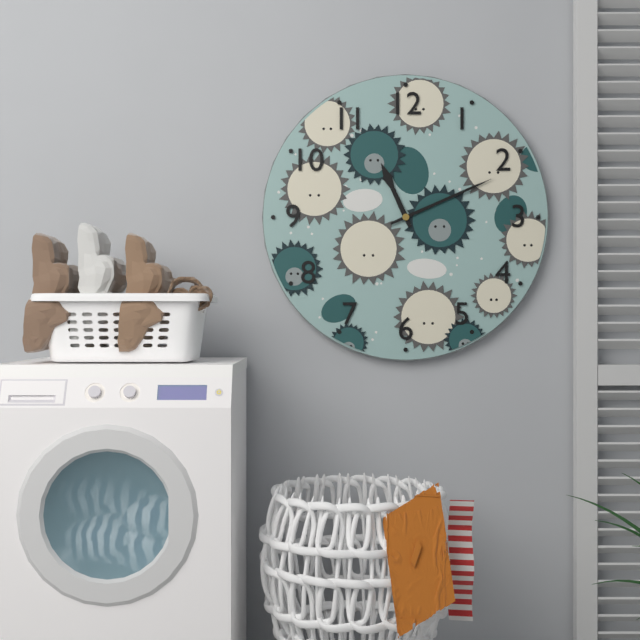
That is 11h11
